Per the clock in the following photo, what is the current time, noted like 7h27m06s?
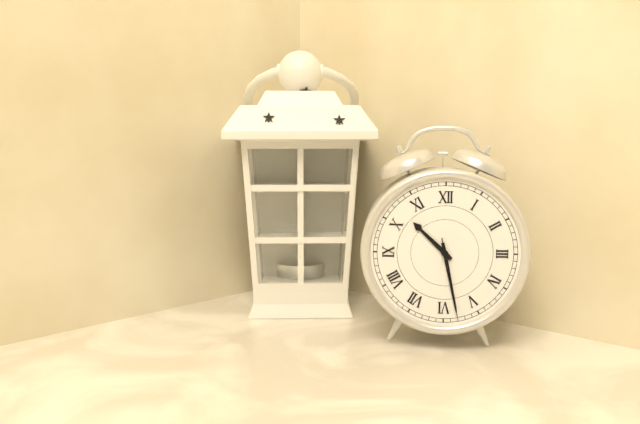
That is 10h28m28s
